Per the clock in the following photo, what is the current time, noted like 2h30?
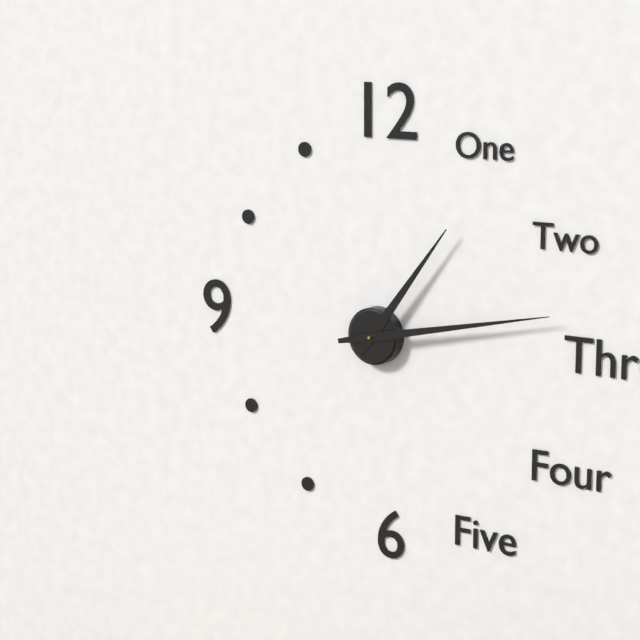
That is 1h13
